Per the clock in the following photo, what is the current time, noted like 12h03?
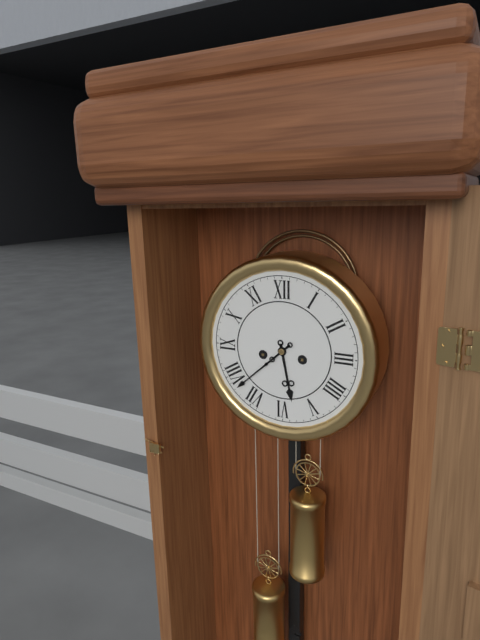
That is 5h38
